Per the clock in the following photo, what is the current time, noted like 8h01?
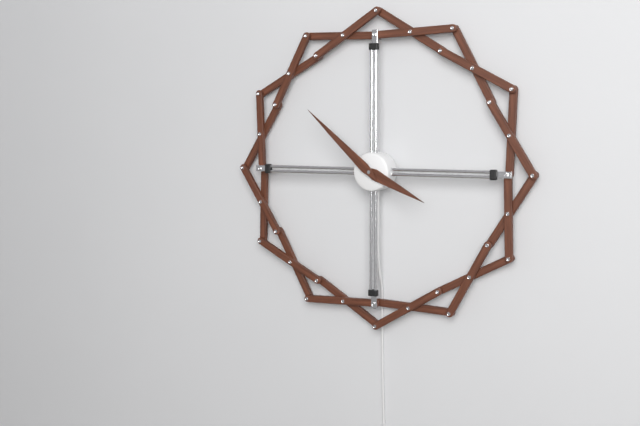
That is 3h52
